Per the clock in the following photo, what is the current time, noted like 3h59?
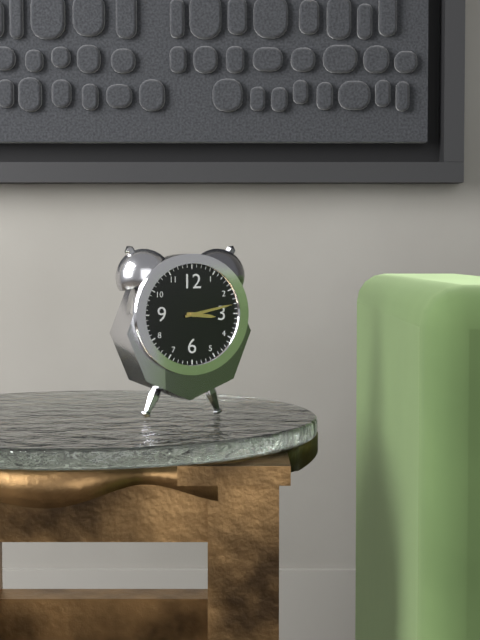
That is 3h13
